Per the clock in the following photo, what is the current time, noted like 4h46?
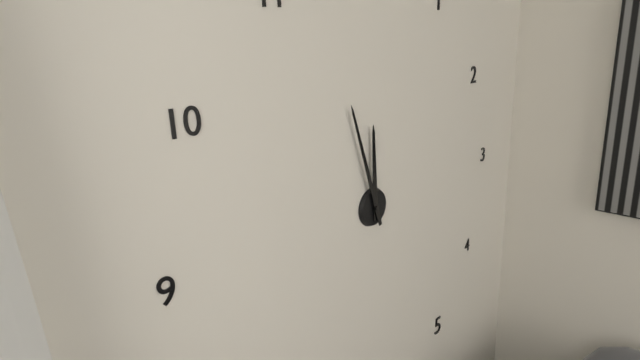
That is 11h57
